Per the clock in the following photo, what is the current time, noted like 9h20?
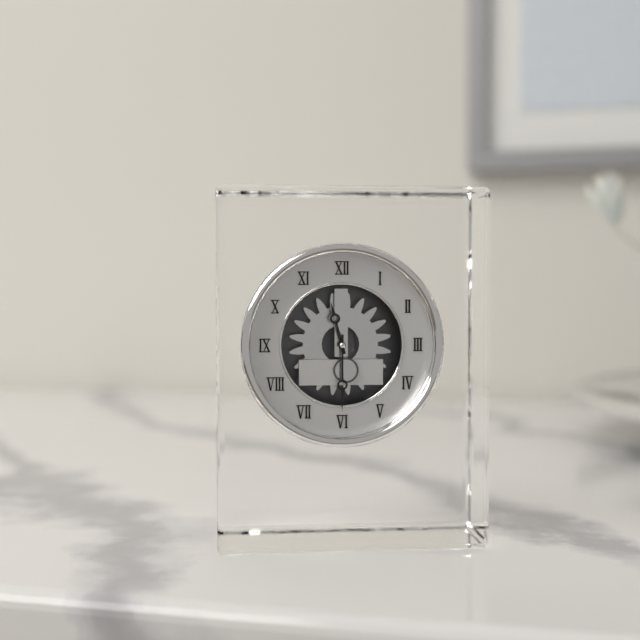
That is 11h30
